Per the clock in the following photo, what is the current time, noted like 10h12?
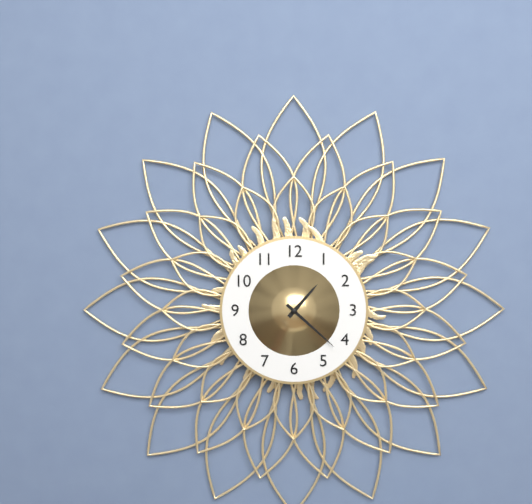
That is 1h22
